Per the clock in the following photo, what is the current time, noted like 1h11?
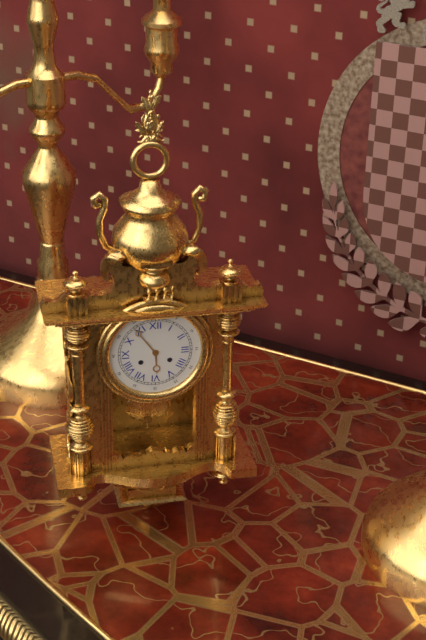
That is 5h54
